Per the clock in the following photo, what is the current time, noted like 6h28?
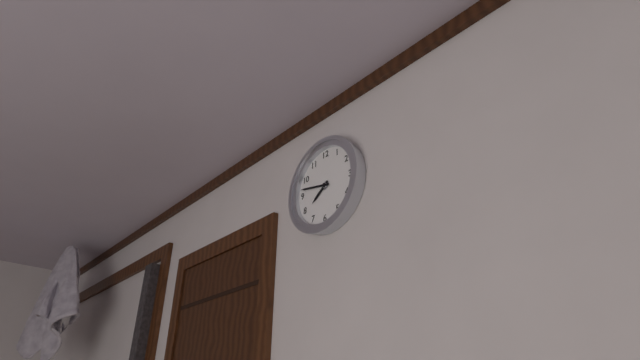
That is 7h47
